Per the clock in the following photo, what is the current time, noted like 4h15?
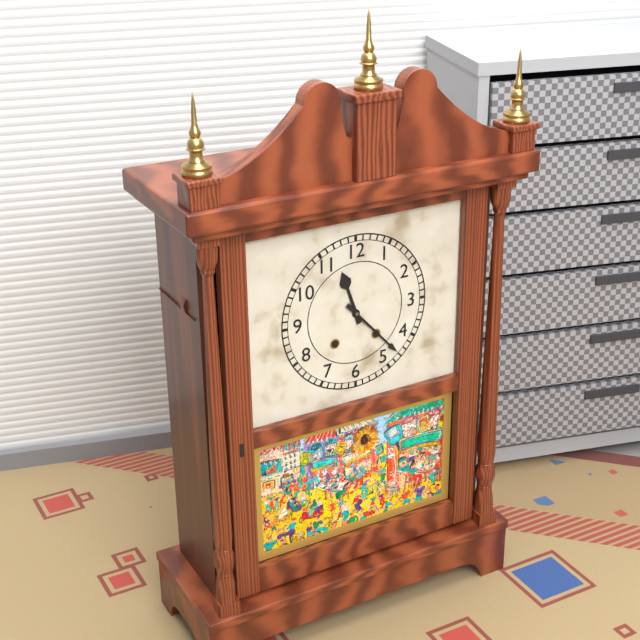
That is 11h23
